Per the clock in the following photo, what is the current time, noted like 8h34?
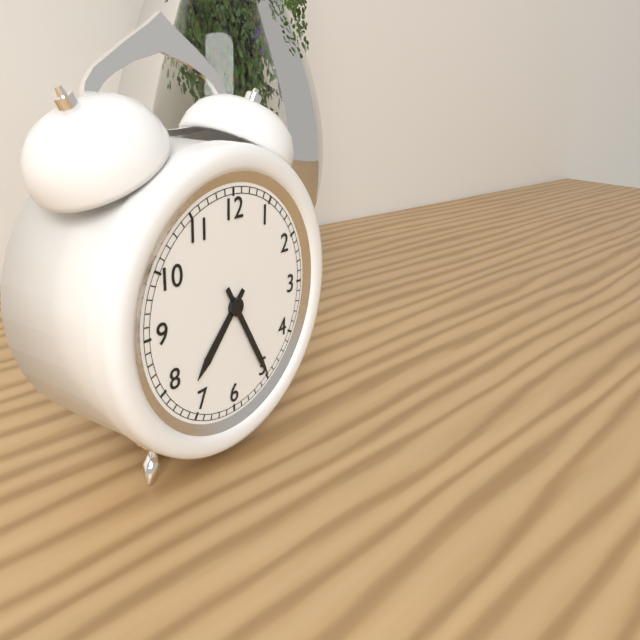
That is 7h25
